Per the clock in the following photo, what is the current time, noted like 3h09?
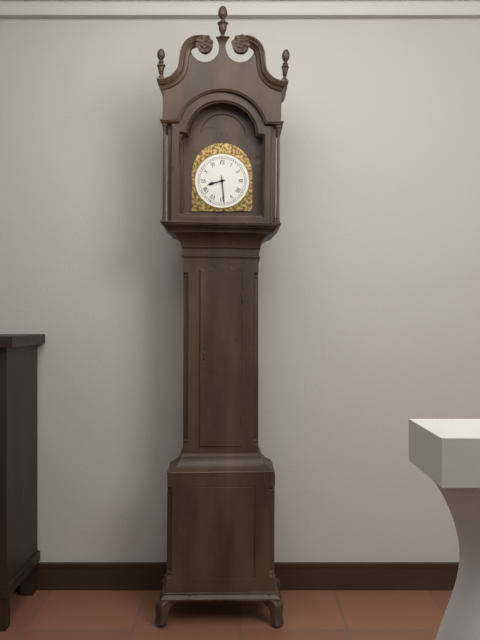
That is 8h29
